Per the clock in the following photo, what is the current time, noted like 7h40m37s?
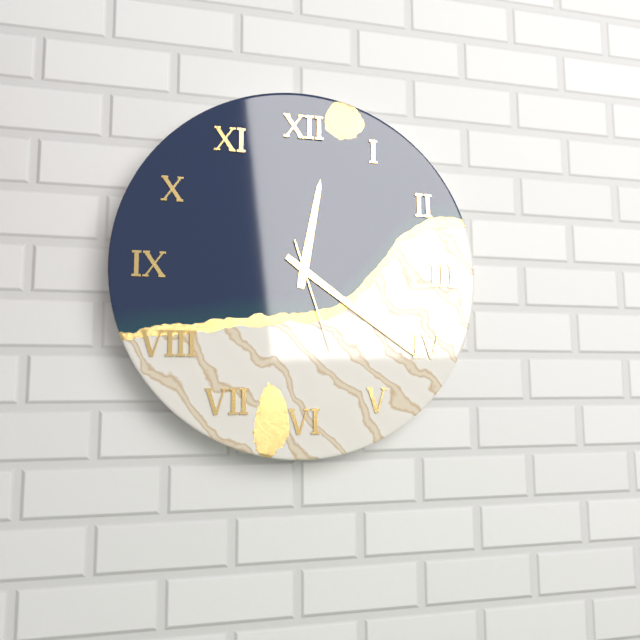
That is 12h21m27s
